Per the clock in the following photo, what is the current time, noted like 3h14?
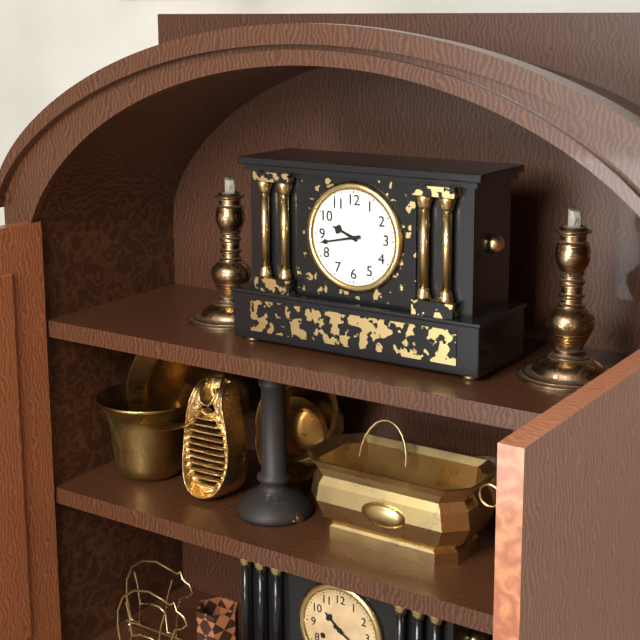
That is 9h43
